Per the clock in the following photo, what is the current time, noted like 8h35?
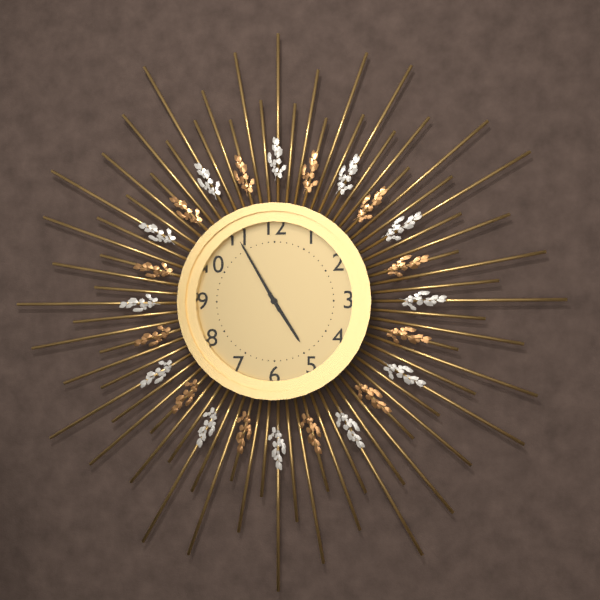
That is 4h55
